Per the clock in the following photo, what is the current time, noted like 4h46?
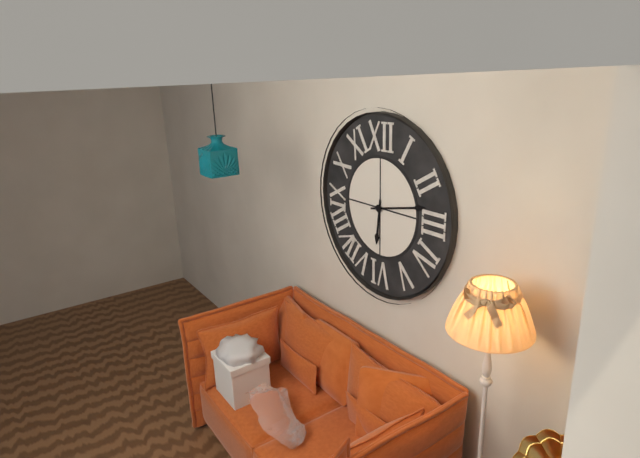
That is 6h13
